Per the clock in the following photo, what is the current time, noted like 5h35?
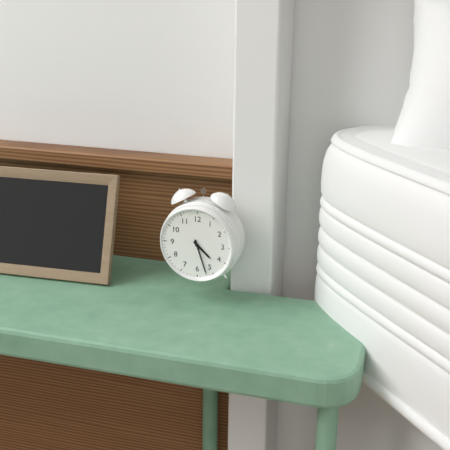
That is 4h27
